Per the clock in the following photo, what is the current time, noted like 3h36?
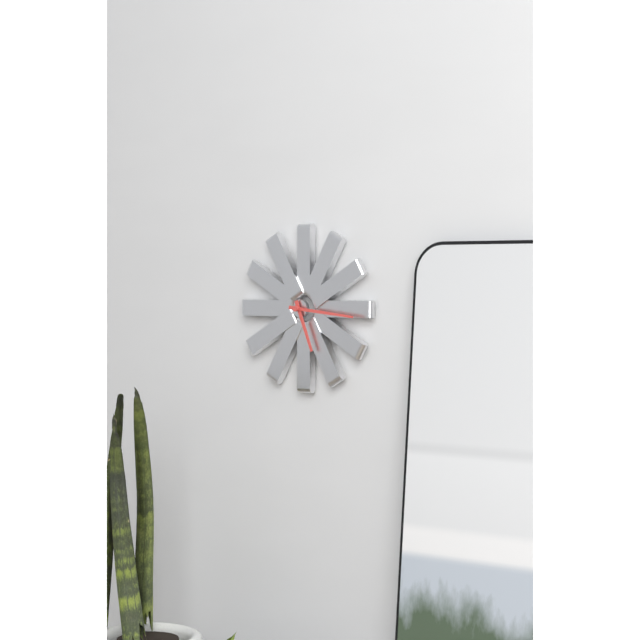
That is 5h16
